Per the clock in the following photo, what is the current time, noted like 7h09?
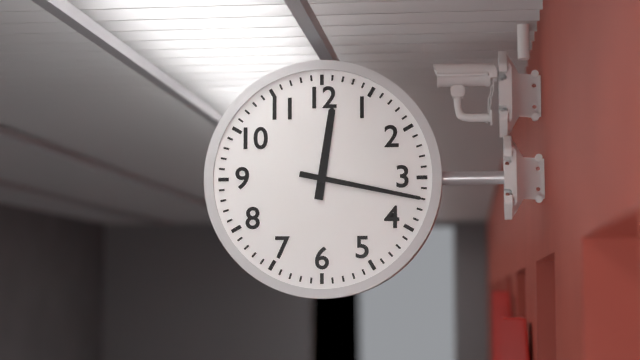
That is 12h17
